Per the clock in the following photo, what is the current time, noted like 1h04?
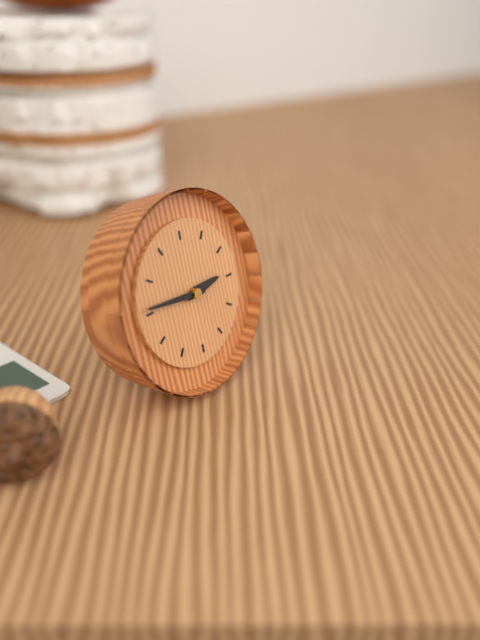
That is 2h46
